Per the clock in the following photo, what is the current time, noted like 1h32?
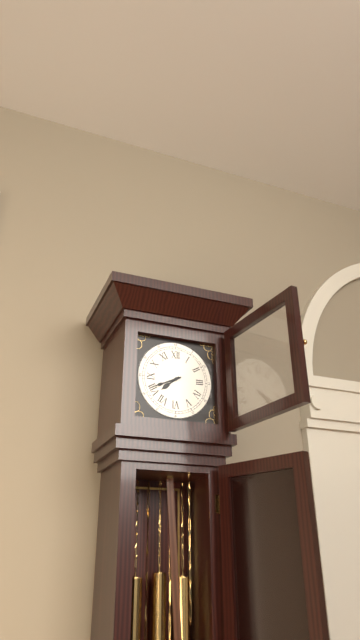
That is 7h41
